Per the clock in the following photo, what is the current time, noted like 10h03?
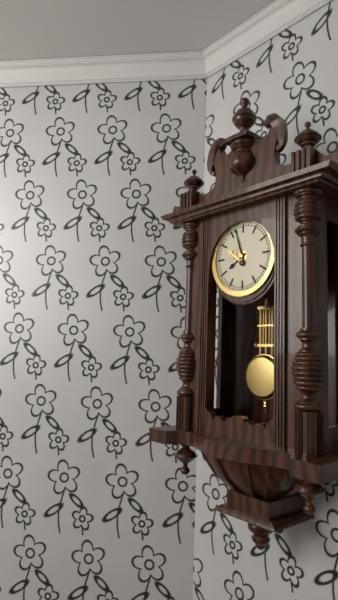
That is 7h57
